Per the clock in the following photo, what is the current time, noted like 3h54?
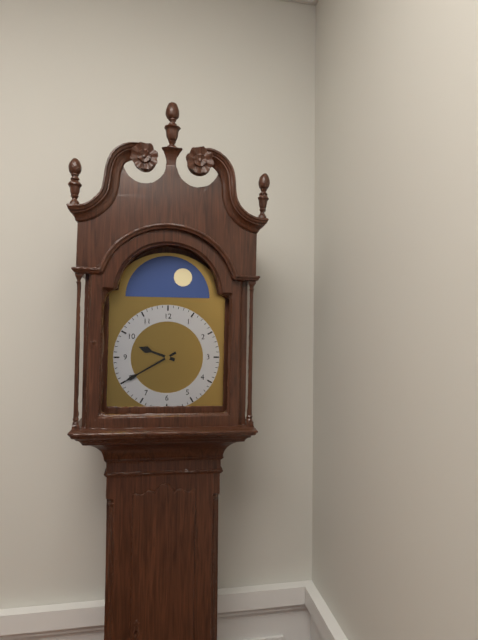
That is 9h40
